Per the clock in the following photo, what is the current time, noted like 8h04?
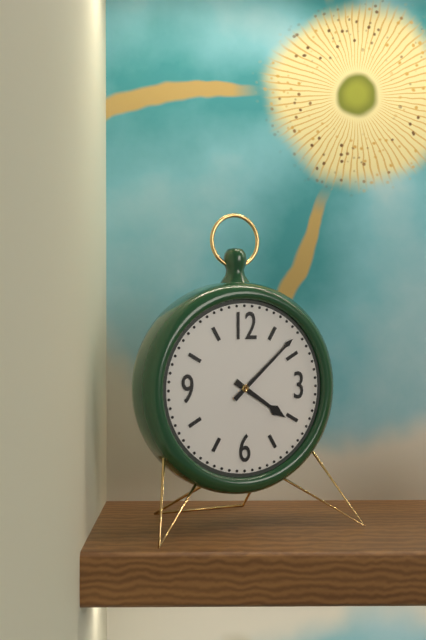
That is 4h08
